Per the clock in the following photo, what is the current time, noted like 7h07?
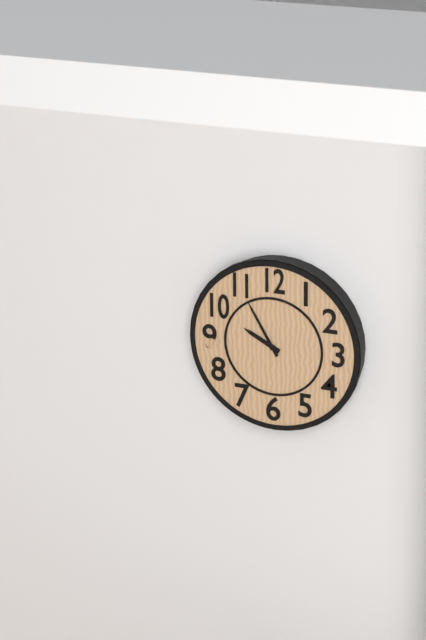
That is 9h55
